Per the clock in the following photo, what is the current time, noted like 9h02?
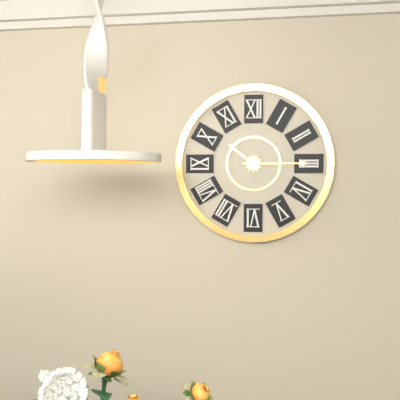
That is 10h15
